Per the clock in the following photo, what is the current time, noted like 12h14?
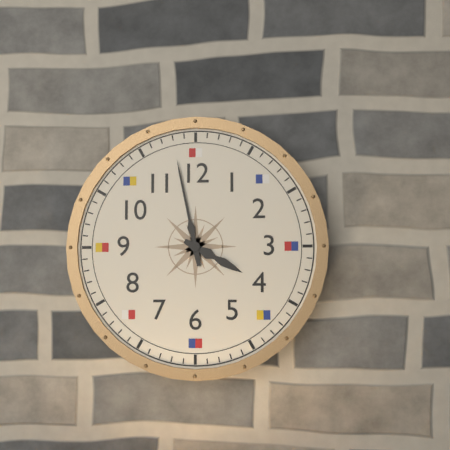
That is 3h58
